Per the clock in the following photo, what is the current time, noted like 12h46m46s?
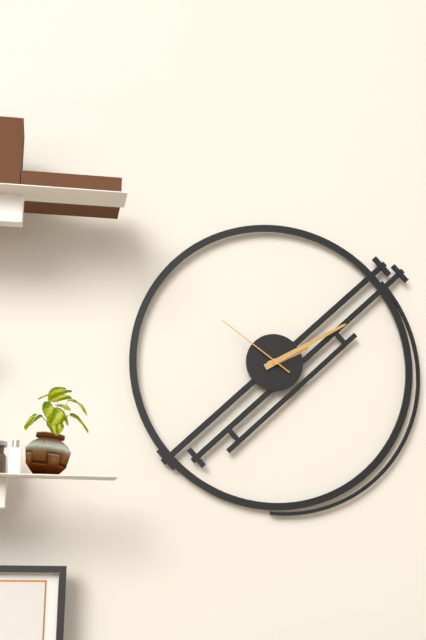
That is 2h10m51s
